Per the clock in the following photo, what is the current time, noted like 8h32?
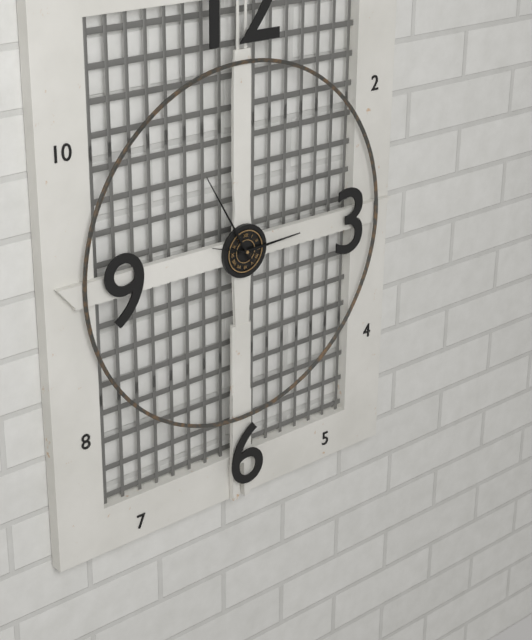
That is 2h55
